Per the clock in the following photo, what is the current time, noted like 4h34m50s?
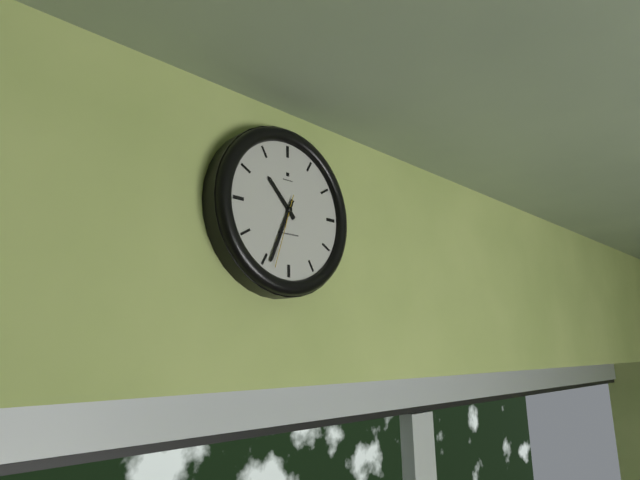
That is 10h34m33s
